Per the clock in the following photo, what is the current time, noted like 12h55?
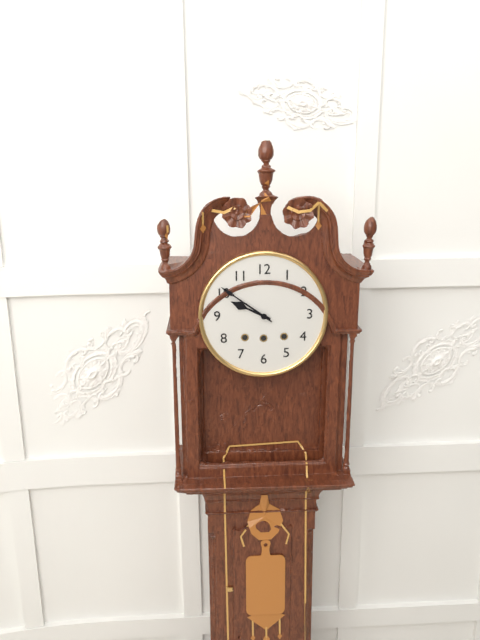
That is 9h51
